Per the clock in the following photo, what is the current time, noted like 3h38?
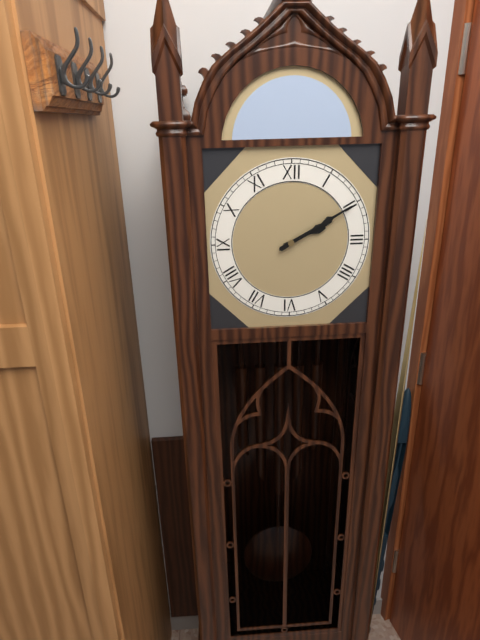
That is 2h10
